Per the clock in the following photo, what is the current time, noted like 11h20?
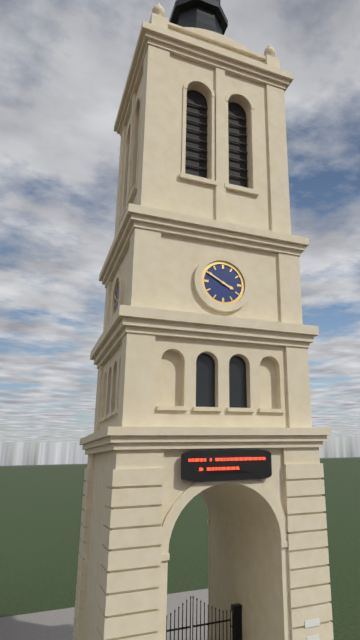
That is 3h50
